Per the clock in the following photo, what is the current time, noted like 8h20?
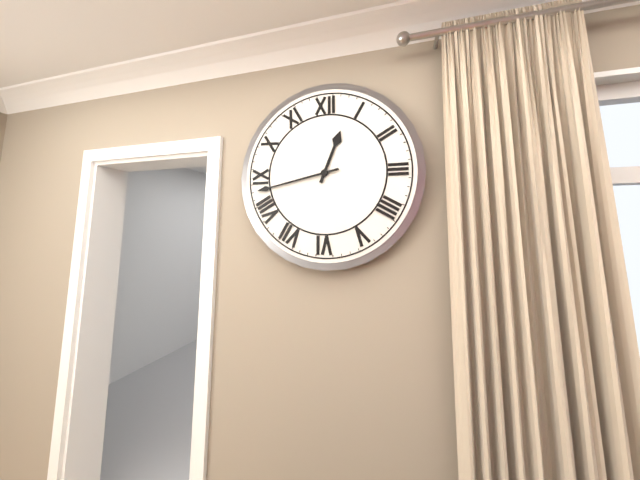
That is 12h43
